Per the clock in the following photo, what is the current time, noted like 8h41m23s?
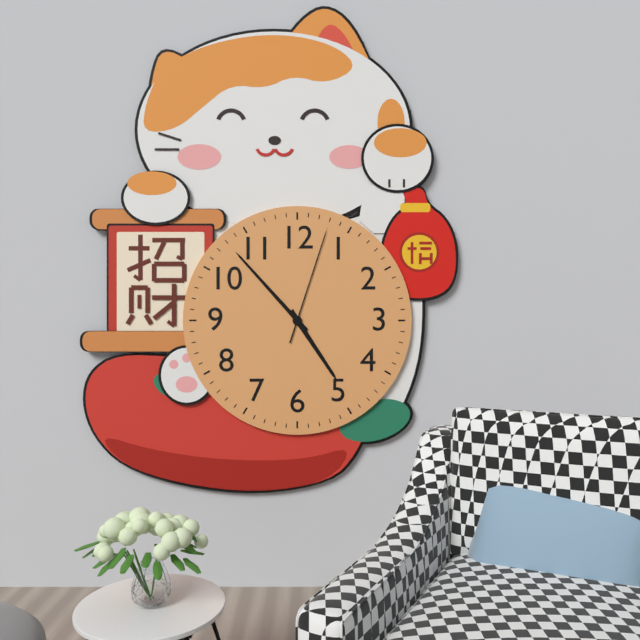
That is 4h53m03s
